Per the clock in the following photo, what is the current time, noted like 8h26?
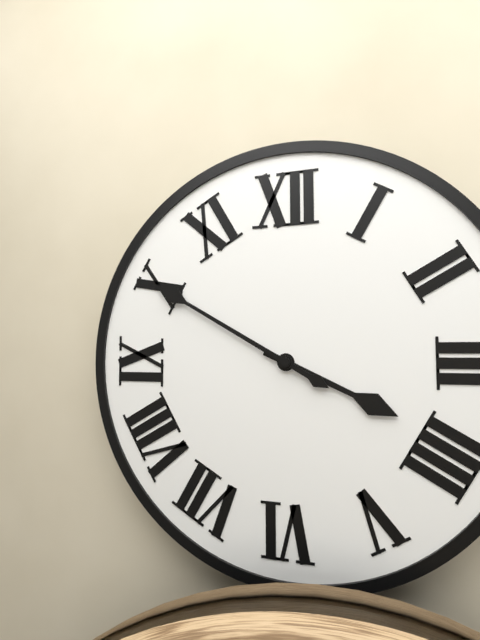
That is 3h50
